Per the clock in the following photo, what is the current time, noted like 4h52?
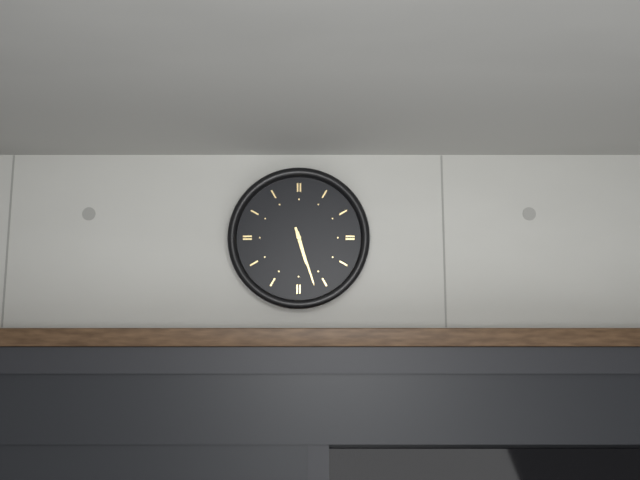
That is 5h27
